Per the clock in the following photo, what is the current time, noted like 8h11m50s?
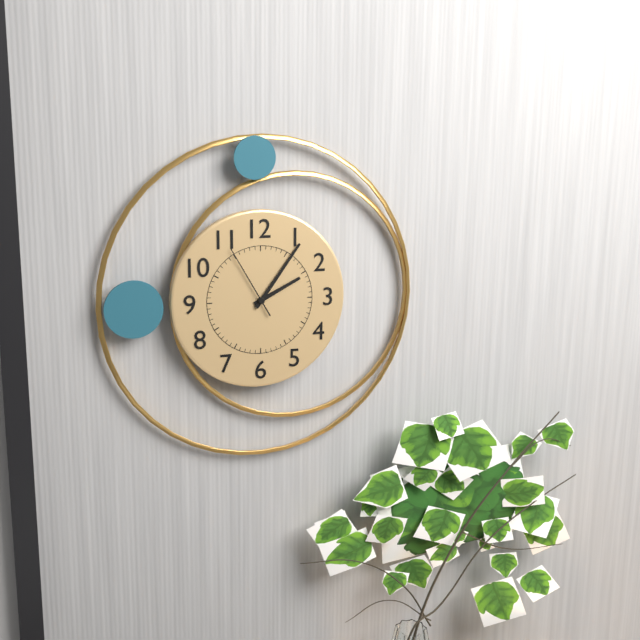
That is 2h06m55s
